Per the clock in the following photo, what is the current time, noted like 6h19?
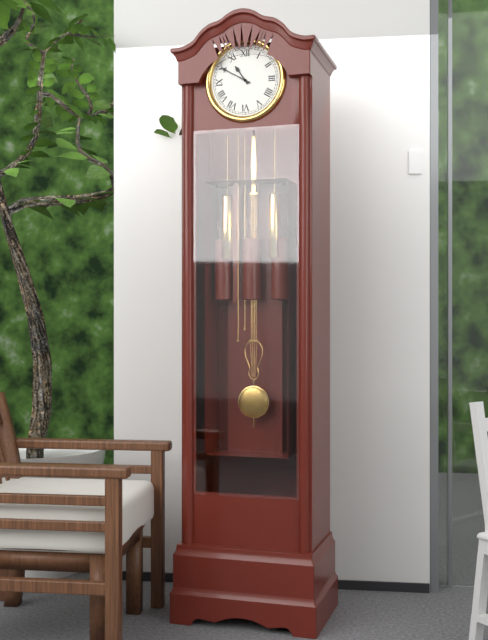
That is 10h50
